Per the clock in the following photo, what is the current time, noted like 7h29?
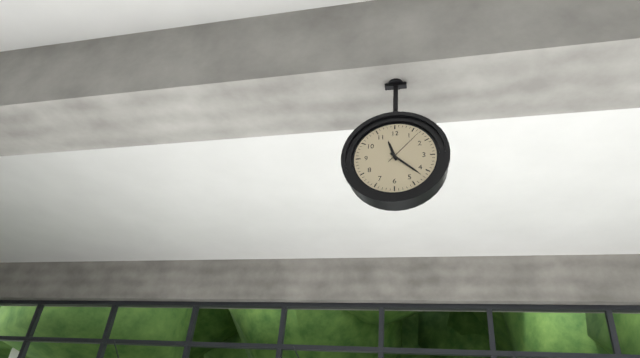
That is 11h22
